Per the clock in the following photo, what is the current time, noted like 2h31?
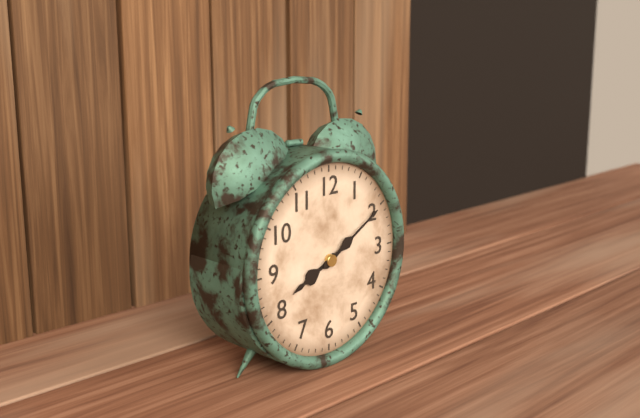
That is 8h10
